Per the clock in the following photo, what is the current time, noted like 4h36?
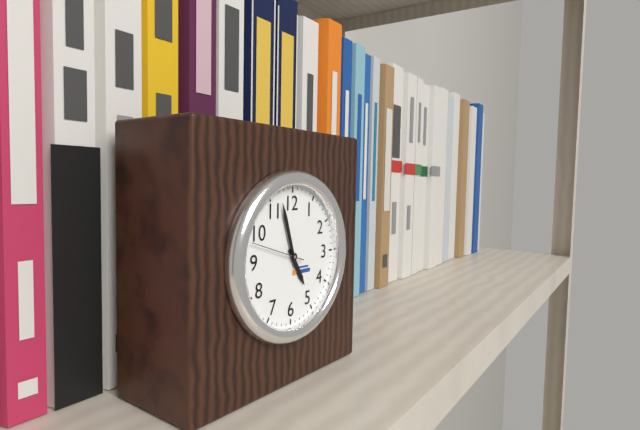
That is 4h57
